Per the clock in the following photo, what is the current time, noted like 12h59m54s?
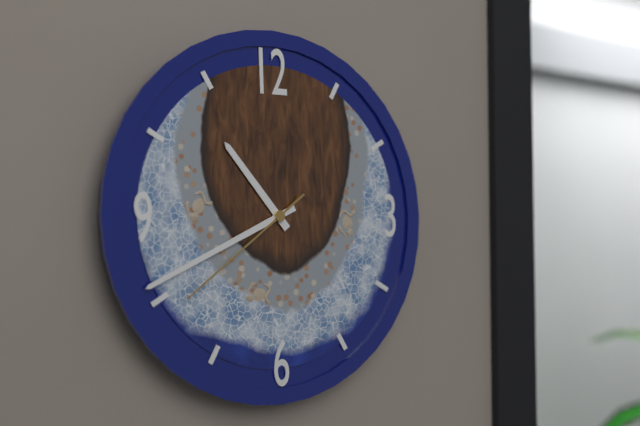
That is 10h41m39s
